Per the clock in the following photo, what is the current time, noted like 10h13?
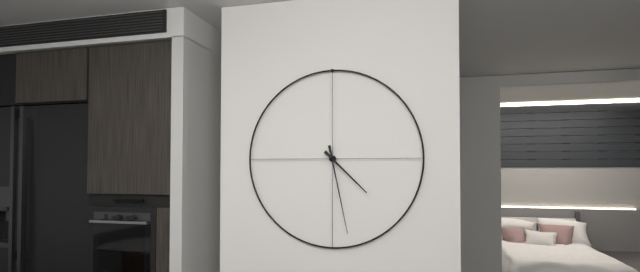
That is 4h28
